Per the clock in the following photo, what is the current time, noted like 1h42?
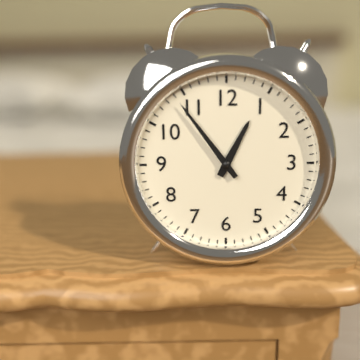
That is 12h54
